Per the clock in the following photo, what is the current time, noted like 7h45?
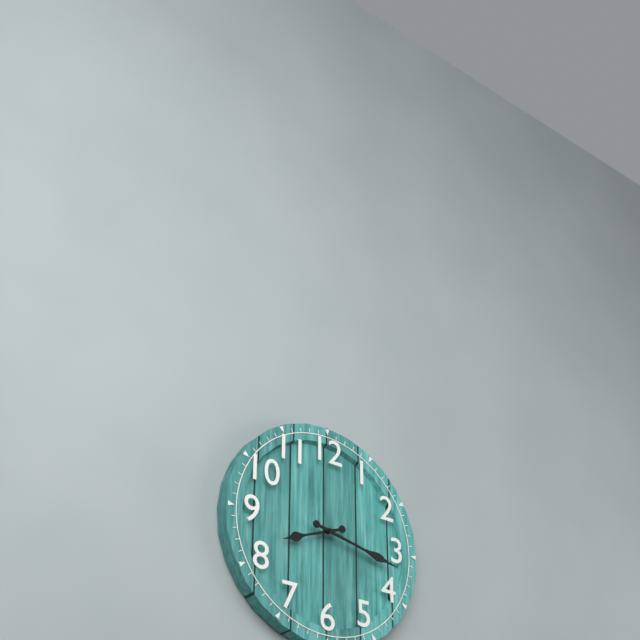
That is 8h17
